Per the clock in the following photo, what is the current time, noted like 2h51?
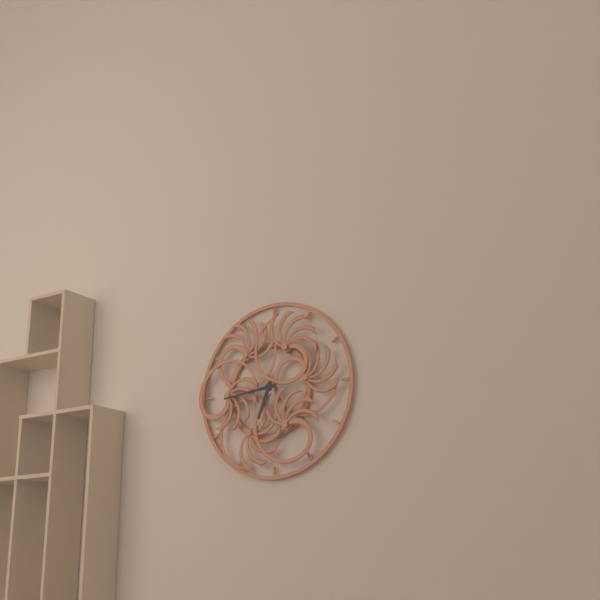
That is 6h44
